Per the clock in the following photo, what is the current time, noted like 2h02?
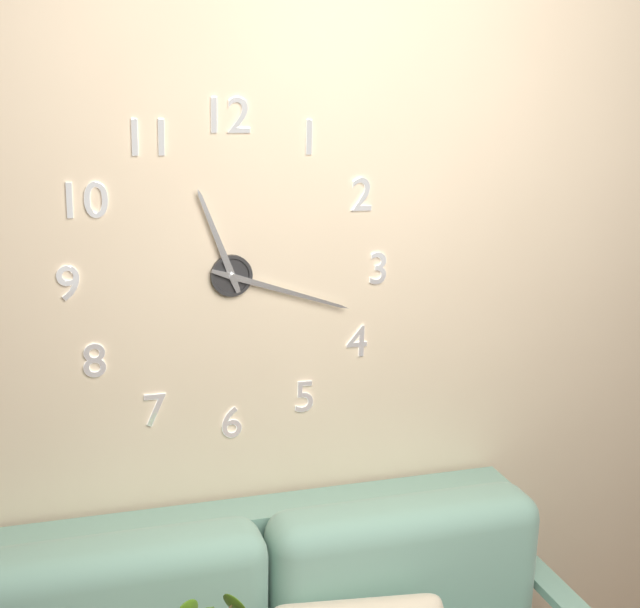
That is 11h18
